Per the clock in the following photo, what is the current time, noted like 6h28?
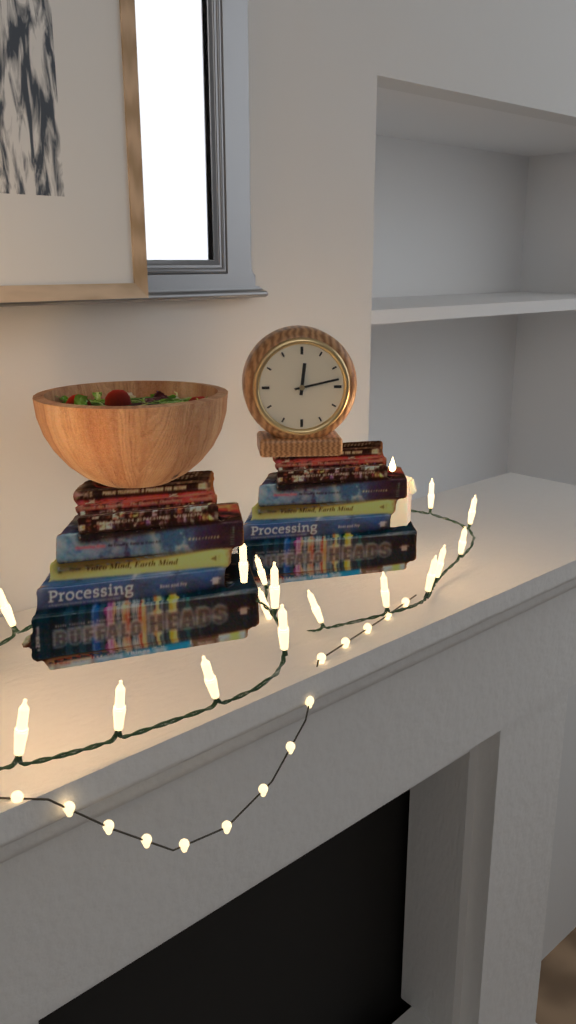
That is 12h13
